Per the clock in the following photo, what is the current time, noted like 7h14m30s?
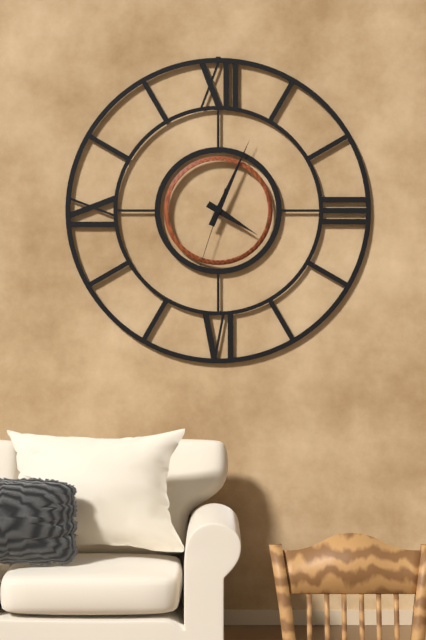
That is 4h04m33s
